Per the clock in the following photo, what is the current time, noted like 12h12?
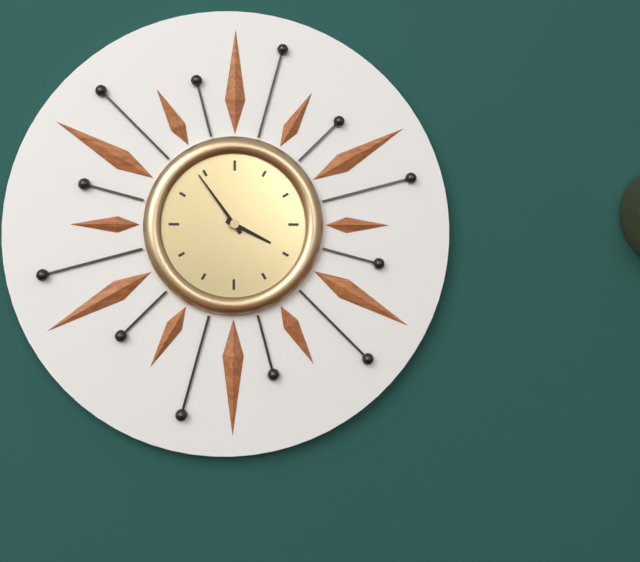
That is 3h54
